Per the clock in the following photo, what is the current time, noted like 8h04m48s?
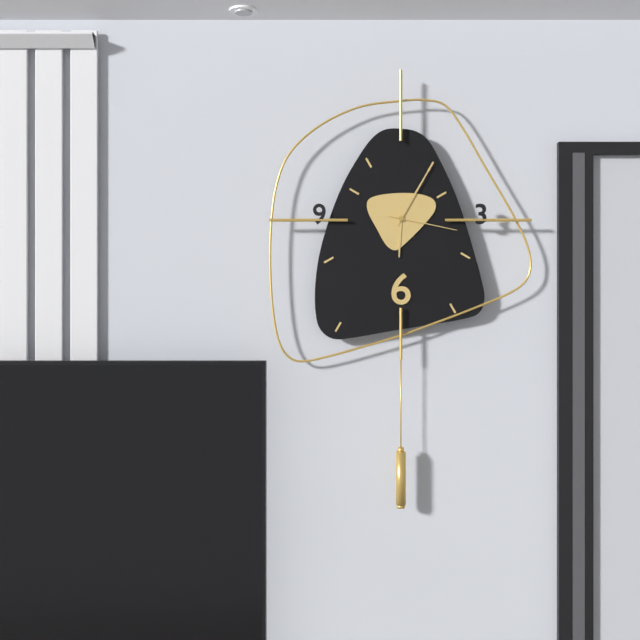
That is 6h05m17s
